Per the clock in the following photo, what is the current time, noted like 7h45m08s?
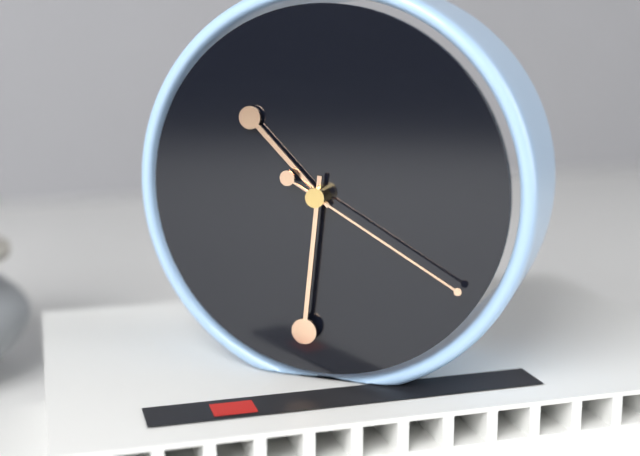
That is 10h31m20s
